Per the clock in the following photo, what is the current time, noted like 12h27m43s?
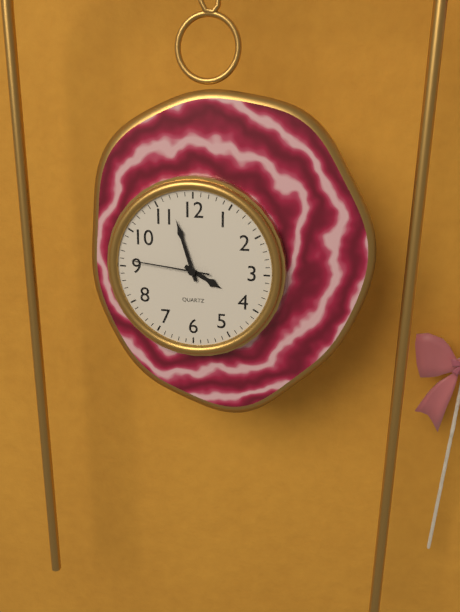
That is 3h57m46s
